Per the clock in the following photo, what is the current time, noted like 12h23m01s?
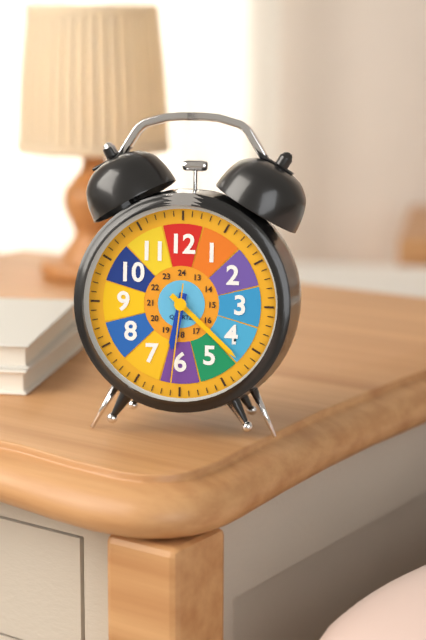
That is 6h22m31s
